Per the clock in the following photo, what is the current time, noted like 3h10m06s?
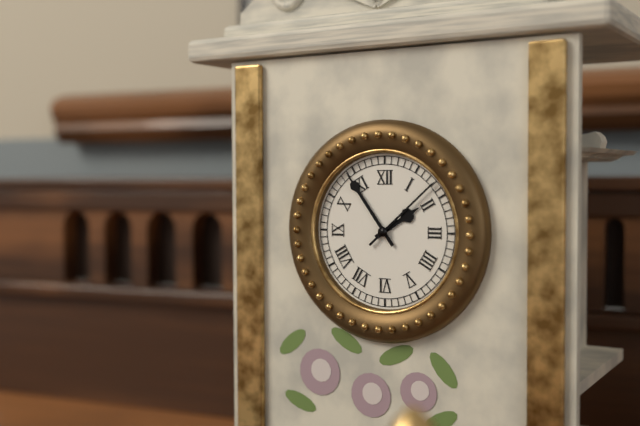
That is 1h54m08s
